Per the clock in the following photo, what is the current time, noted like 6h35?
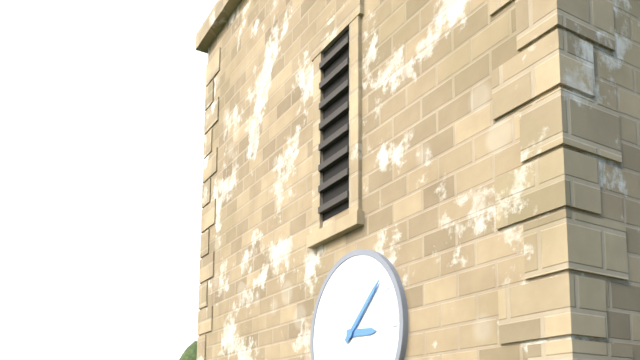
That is 3h08
